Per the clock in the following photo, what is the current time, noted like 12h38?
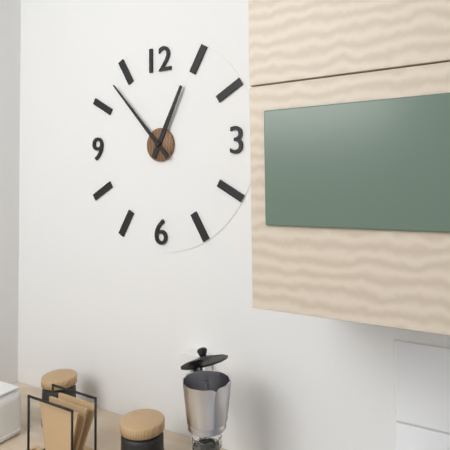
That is 12h53
